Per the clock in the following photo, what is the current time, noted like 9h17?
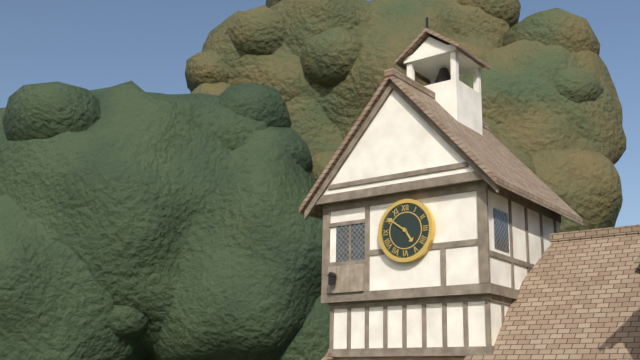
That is 4h51
